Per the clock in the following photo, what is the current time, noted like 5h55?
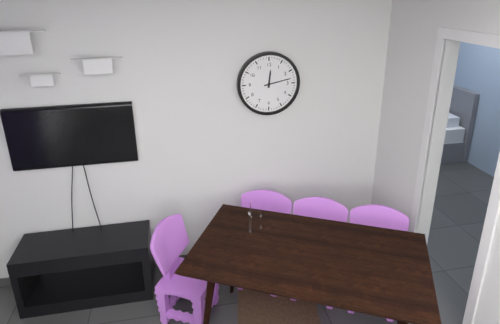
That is 12h13
